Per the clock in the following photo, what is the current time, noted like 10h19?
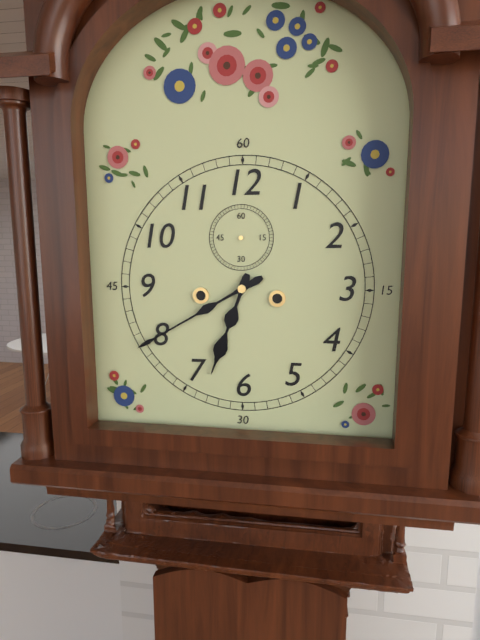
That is 6h40
